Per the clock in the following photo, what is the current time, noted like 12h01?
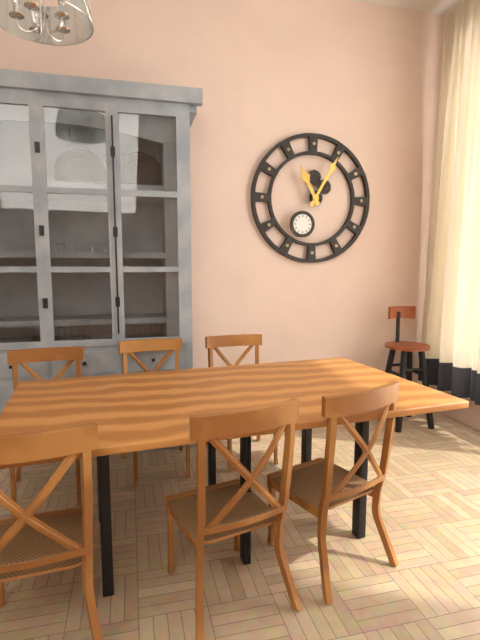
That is 11h05
